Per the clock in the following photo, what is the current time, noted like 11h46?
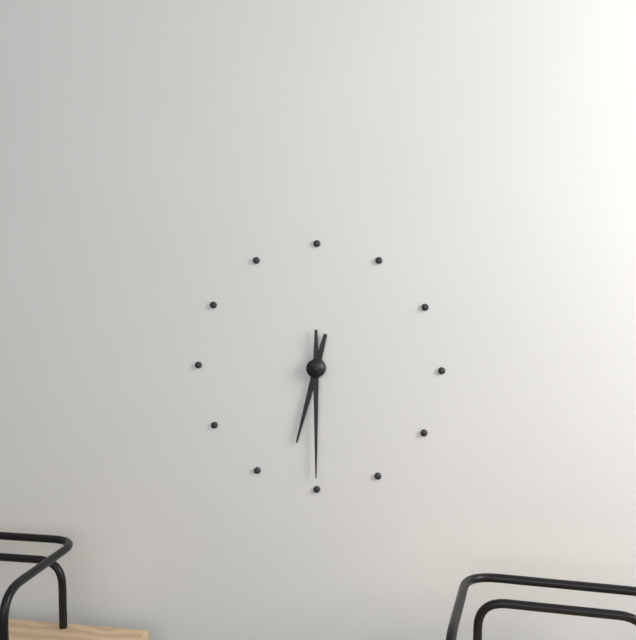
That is 6h30
